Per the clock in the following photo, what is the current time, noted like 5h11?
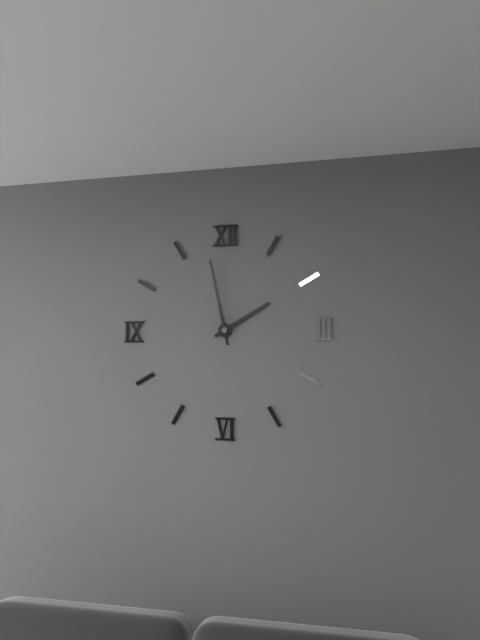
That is 1h58
